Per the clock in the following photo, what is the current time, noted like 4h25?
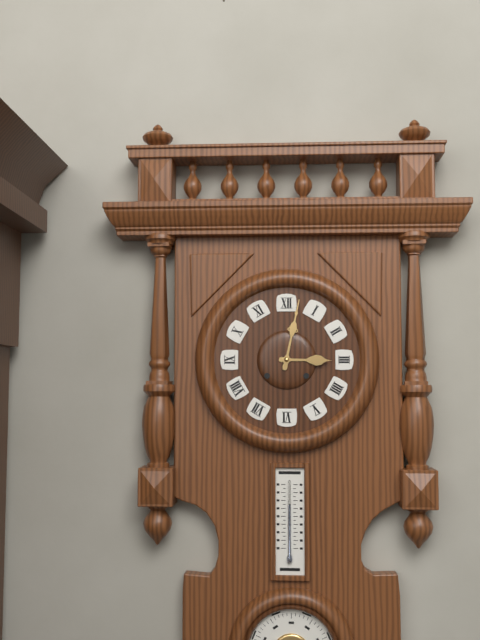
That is 3h02
